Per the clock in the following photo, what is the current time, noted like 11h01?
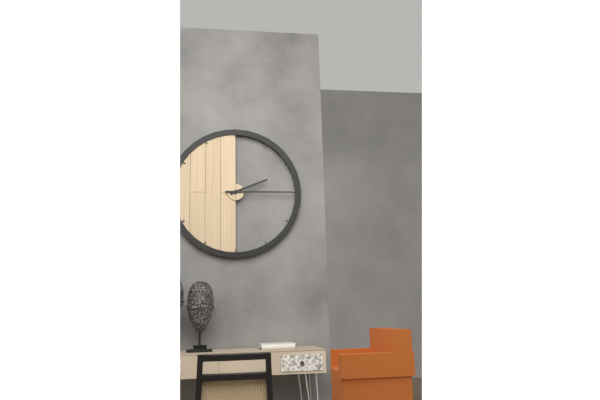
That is 2h15
